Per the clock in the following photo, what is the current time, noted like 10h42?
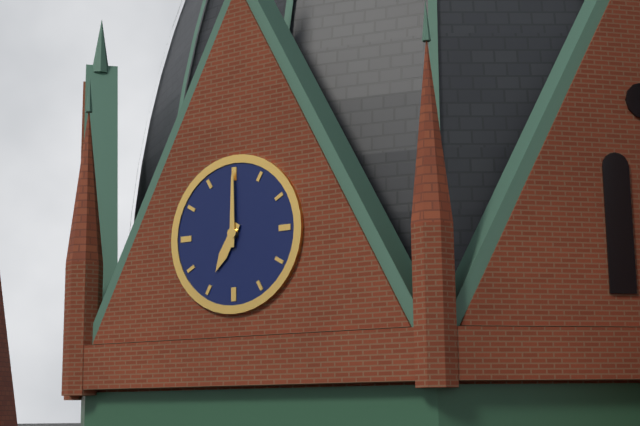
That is 7h00
